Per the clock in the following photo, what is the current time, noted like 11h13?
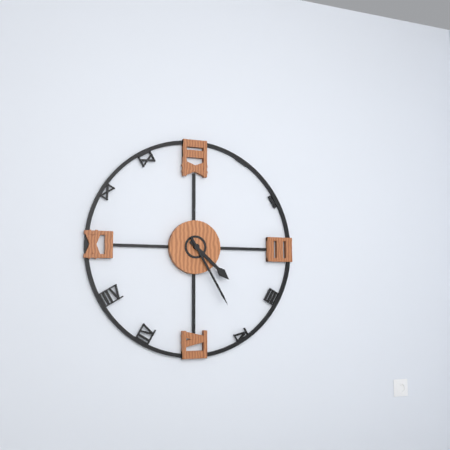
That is 4h25
